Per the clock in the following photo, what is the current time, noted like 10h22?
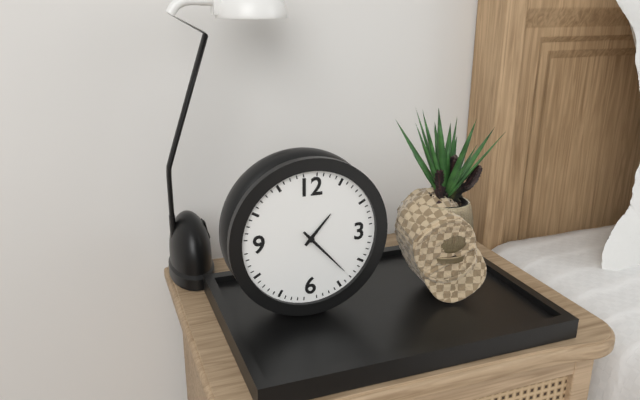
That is 1h23
